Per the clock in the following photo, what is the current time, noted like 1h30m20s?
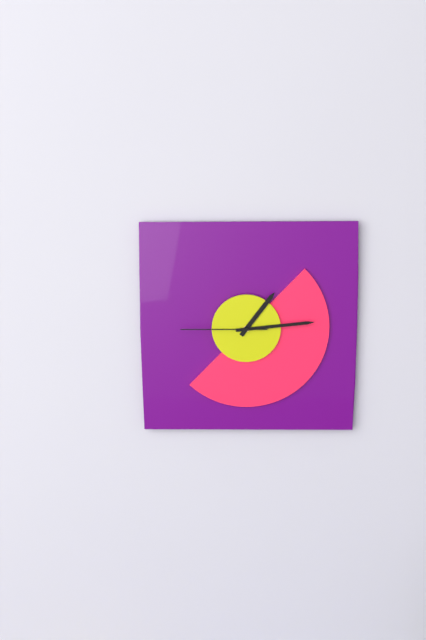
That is 1h14m45s
